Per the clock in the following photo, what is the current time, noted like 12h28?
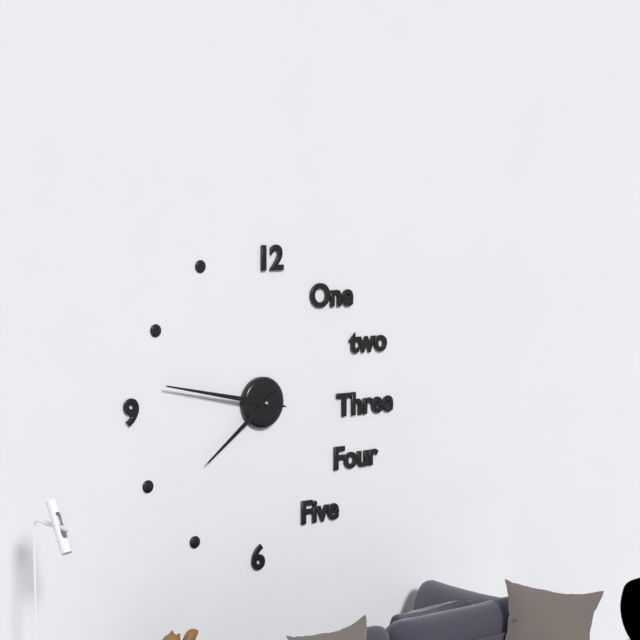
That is 7h47
